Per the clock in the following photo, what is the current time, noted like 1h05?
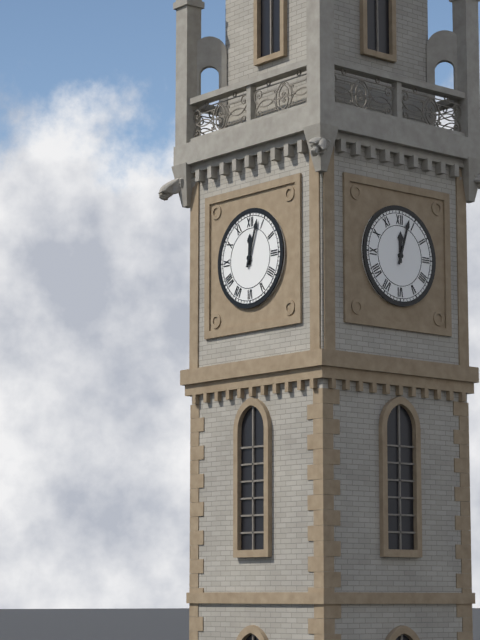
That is 12h03
